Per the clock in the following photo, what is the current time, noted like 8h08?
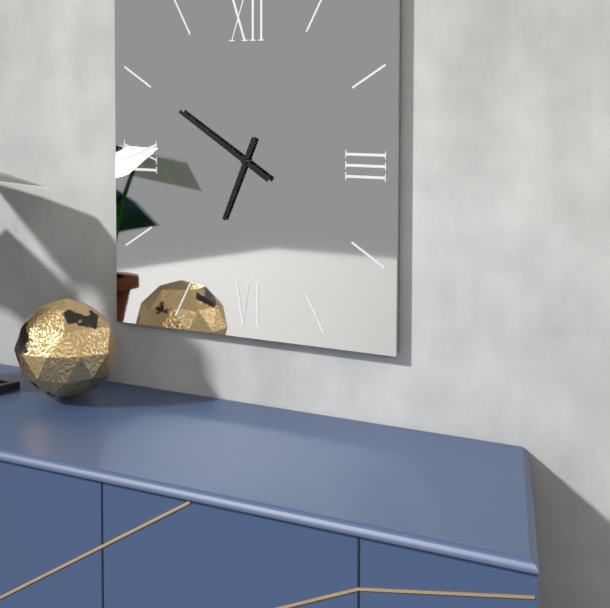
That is 6h50
